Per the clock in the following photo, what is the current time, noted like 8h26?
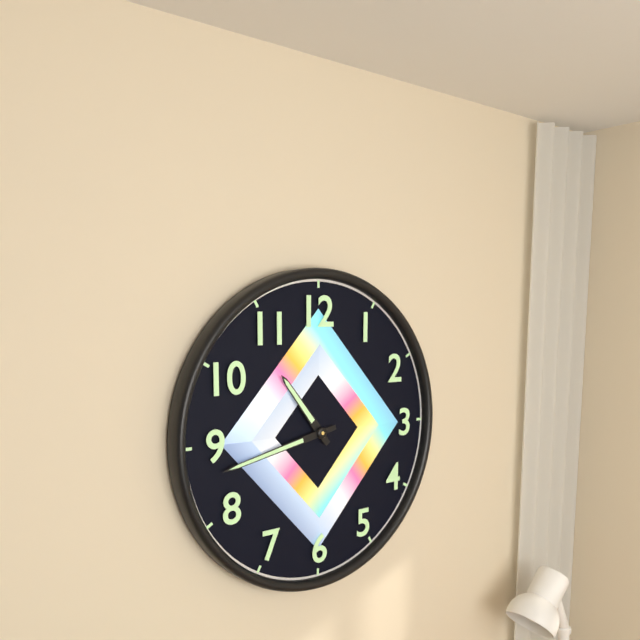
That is 10h43
